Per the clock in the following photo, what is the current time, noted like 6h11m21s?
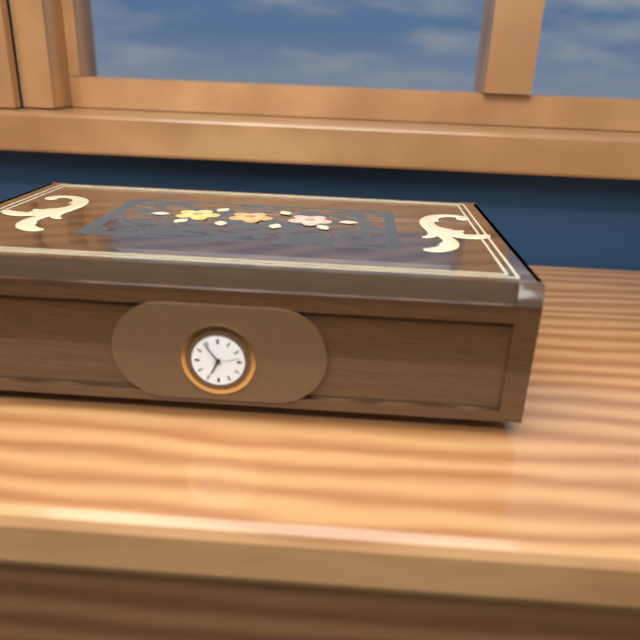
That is 6h54m13s
